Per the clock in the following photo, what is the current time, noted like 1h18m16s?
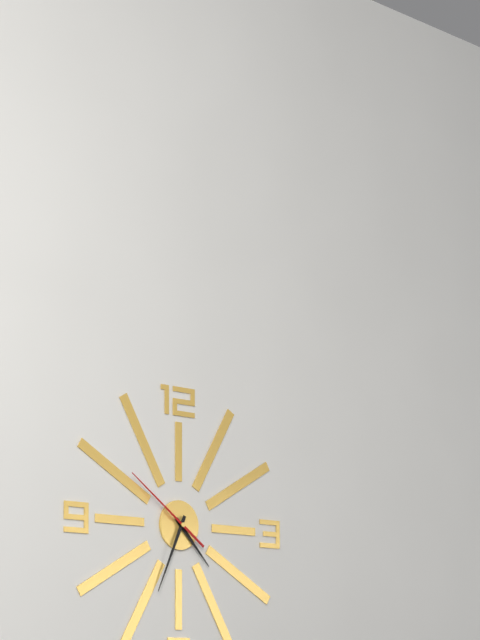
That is 4h34m51s
